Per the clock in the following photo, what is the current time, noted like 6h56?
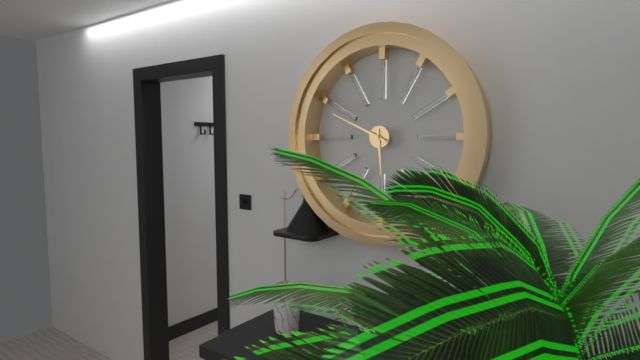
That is 5h49
